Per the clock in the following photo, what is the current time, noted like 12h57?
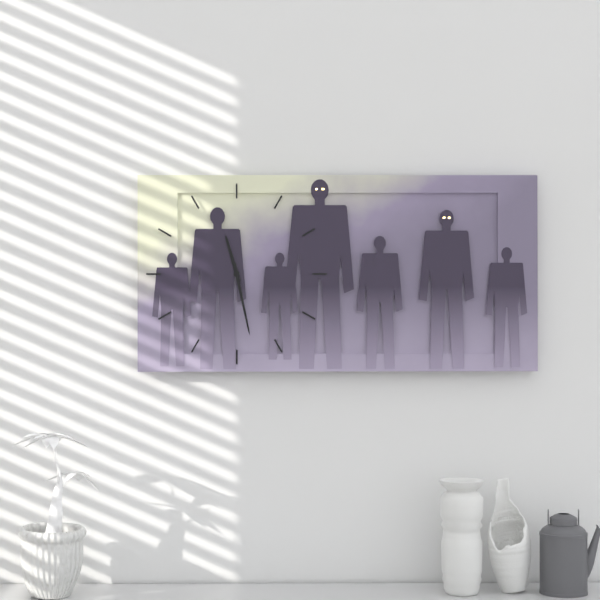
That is 11h28
